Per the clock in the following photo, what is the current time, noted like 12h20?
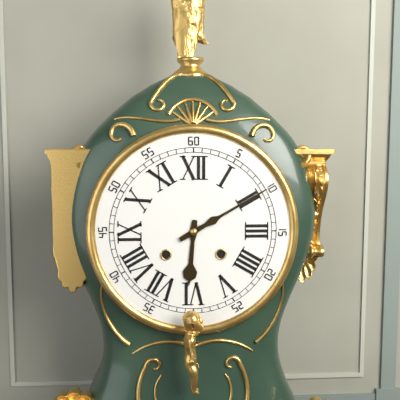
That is 6h10
